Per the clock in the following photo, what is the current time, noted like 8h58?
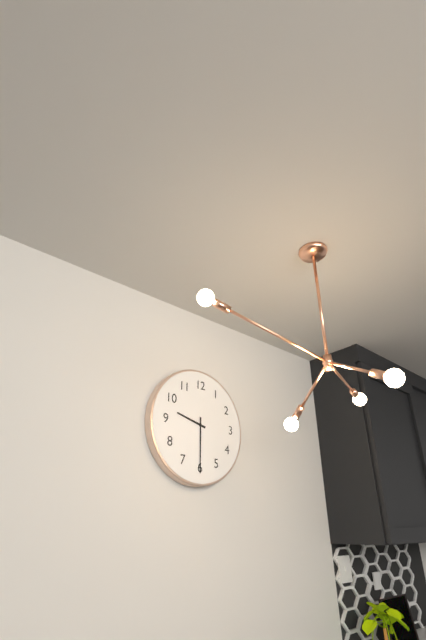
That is 9h30
